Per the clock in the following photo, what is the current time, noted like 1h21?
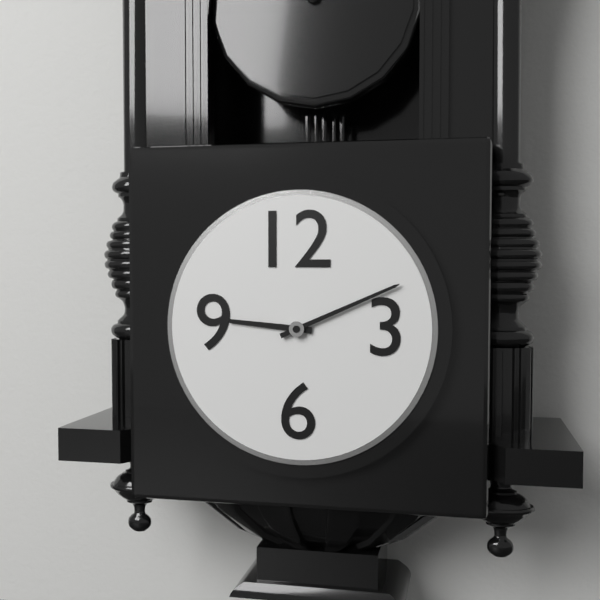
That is 9h11
